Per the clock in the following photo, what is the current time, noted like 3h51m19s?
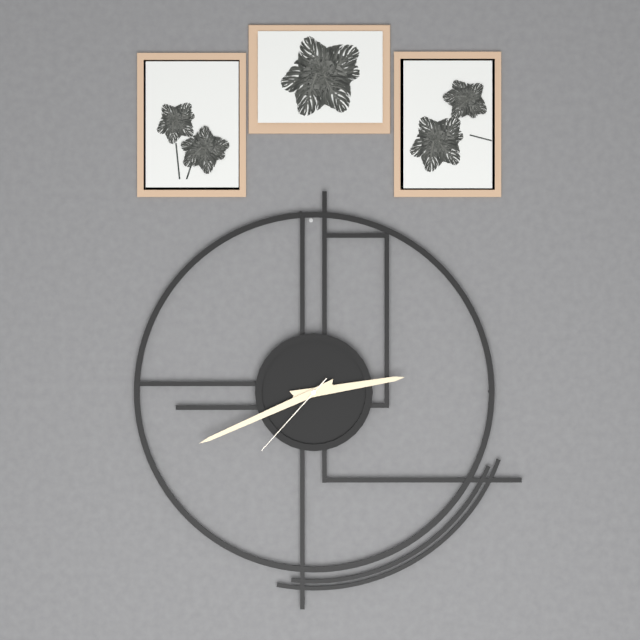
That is 2h41m37s
